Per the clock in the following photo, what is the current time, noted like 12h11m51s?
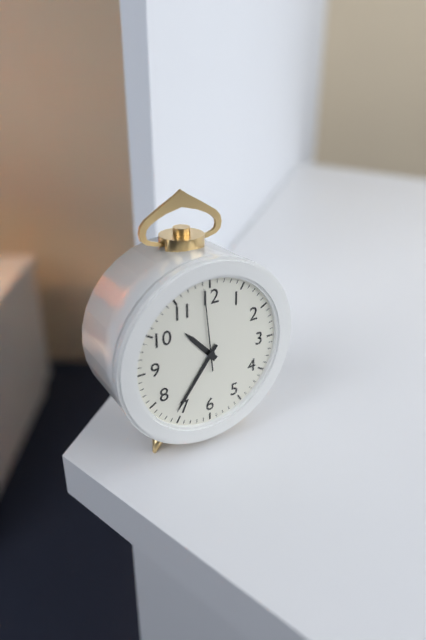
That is 10h36m59s
